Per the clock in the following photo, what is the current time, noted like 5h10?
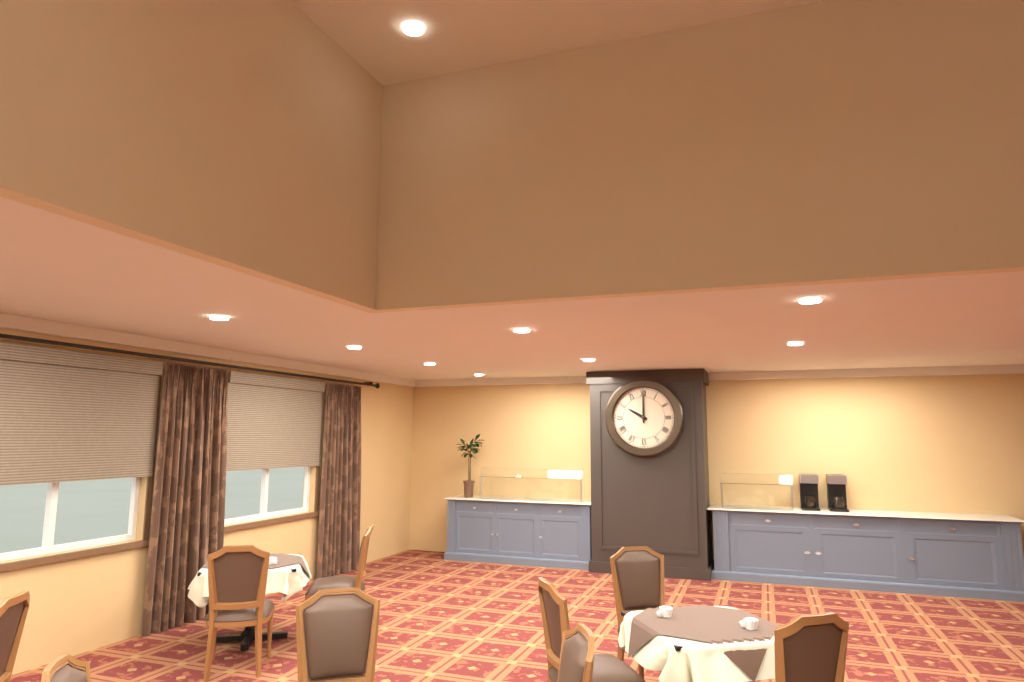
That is 10h00
